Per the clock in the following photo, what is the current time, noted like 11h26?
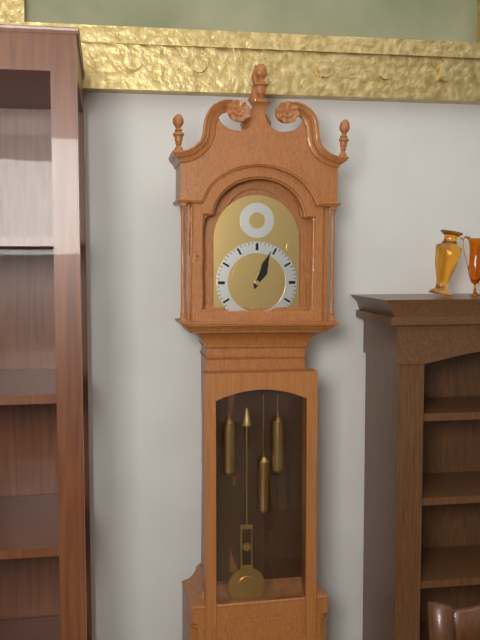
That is 1h04
